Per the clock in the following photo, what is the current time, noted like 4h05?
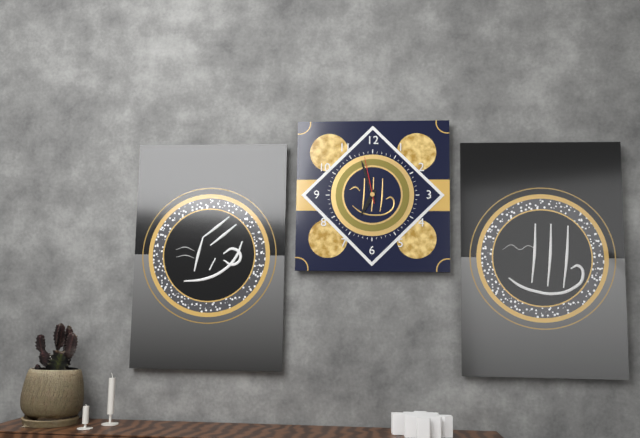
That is 6h57
